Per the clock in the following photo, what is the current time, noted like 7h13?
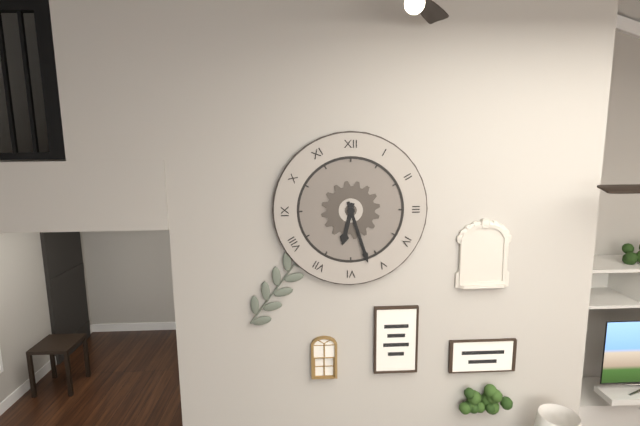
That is 6h27
